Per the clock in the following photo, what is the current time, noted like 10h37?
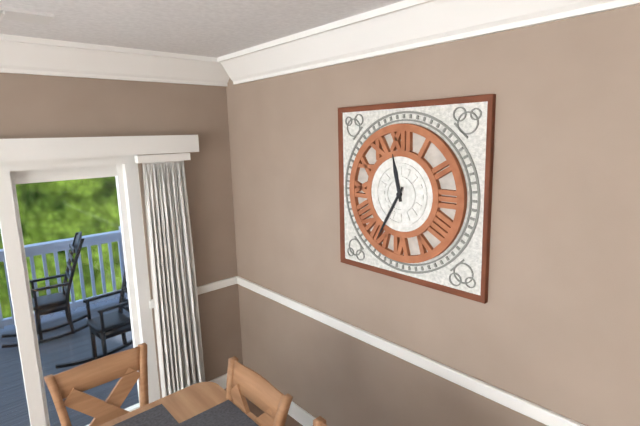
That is 11h35
